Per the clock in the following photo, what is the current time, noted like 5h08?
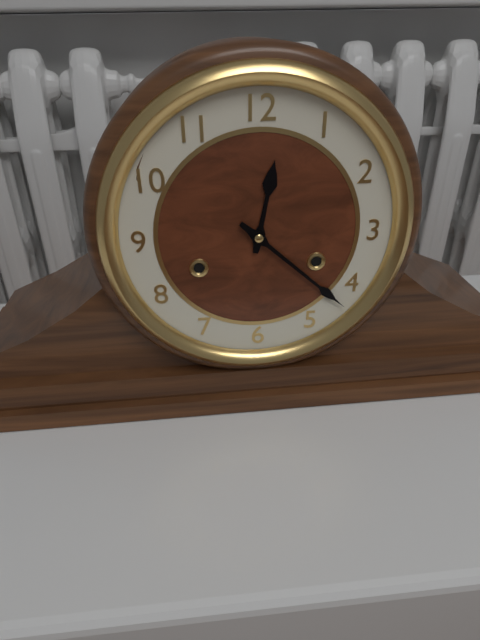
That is 12h22
